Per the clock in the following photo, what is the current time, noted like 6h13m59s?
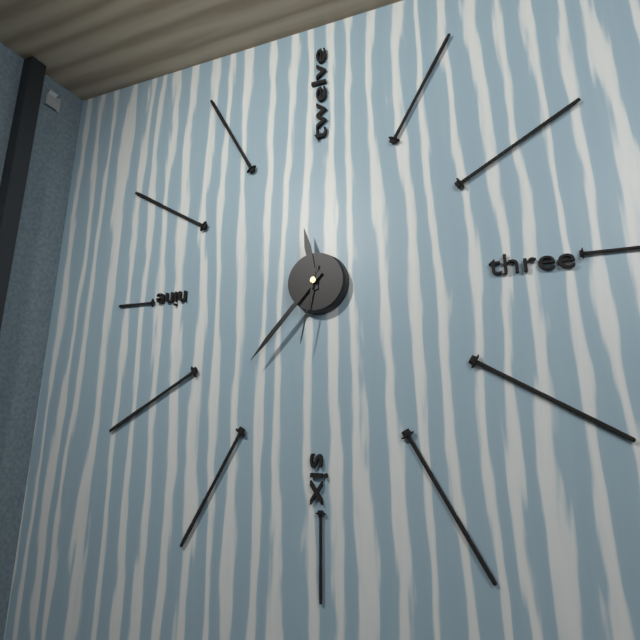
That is 11h37m32s
